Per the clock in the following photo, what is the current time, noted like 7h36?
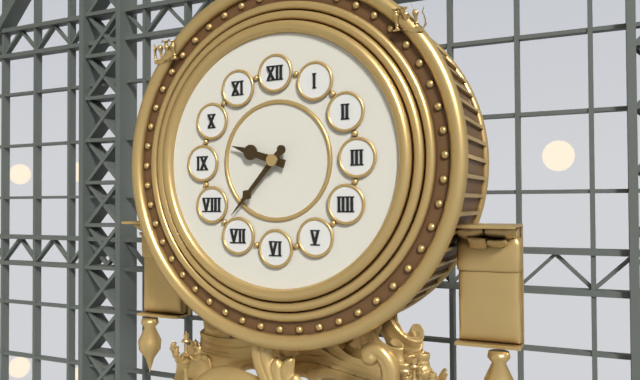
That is 9h37
